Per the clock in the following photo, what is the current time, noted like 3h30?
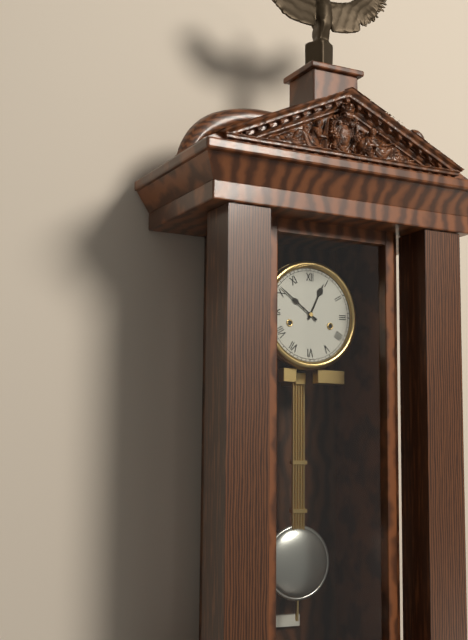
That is 12h51
